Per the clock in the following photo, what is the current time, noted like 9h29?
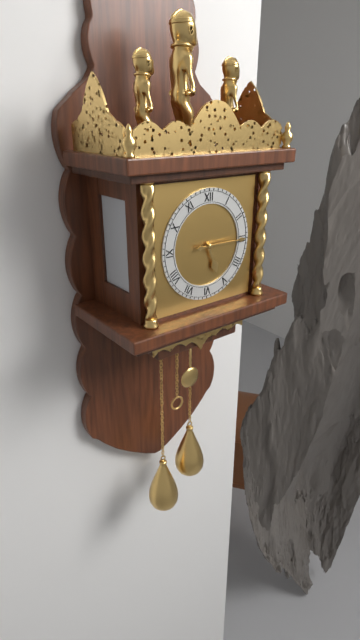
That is 5h15
